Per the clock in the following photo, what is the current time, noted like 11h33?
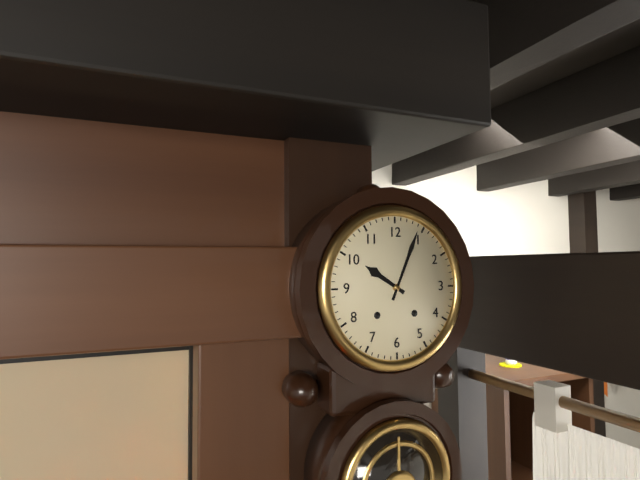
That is 10h04
